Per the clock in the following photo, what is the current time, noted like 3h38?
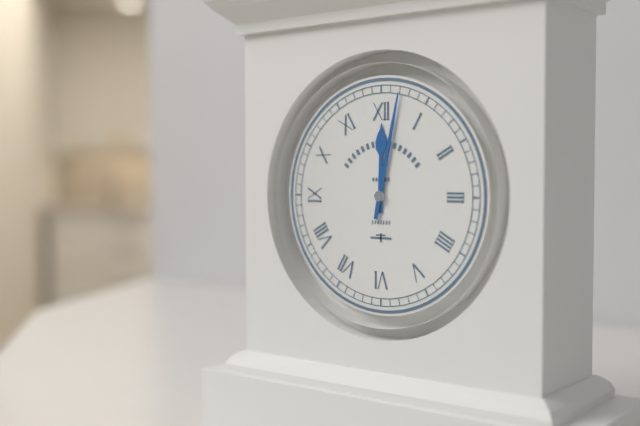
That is 12h02
